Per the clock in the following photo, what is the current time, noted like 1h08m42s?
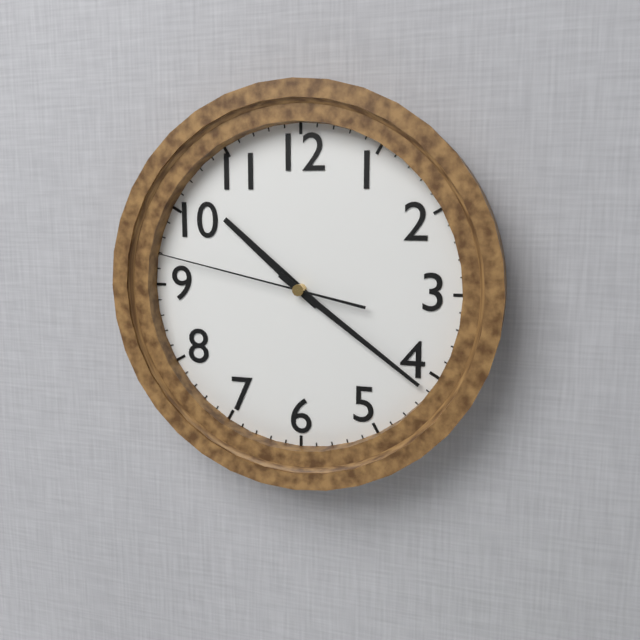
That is 10h21m47s
